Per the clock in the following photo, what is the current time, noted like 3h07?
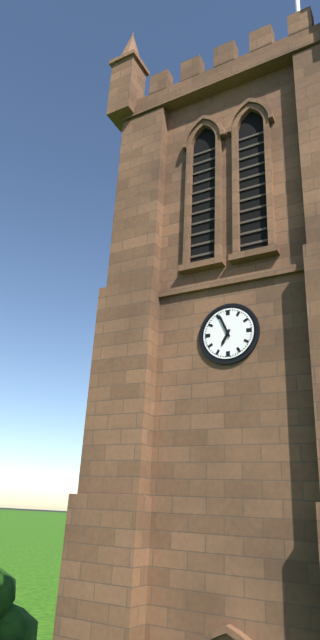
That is 6h56
